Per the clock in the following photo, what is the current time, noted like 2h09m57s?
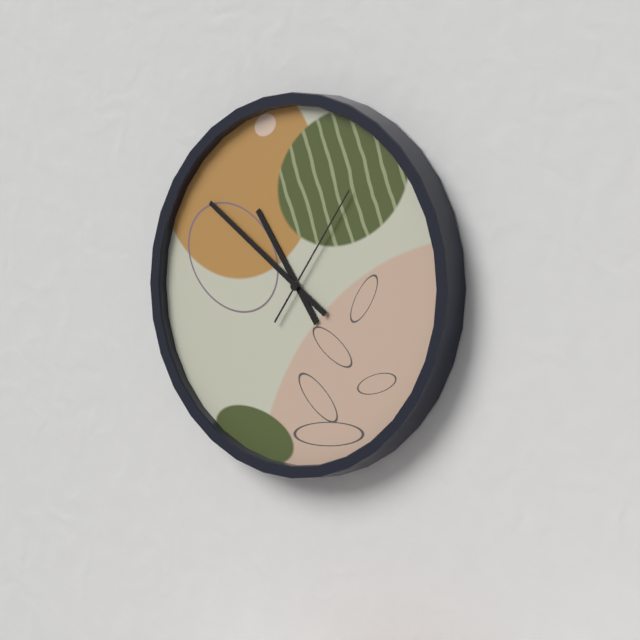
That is 10h51m06s
